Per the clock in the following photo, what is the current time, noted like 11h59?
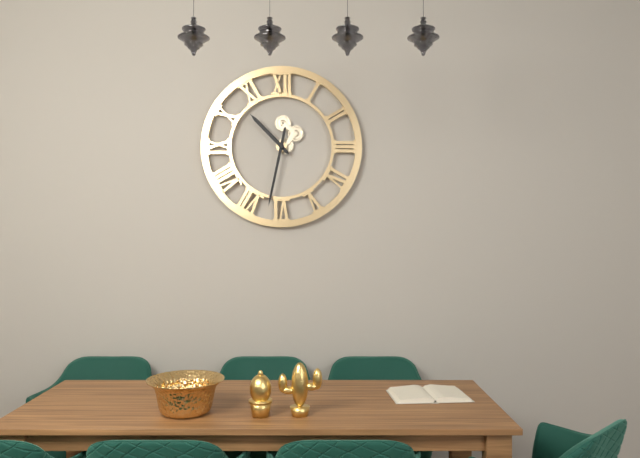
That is 10h32
